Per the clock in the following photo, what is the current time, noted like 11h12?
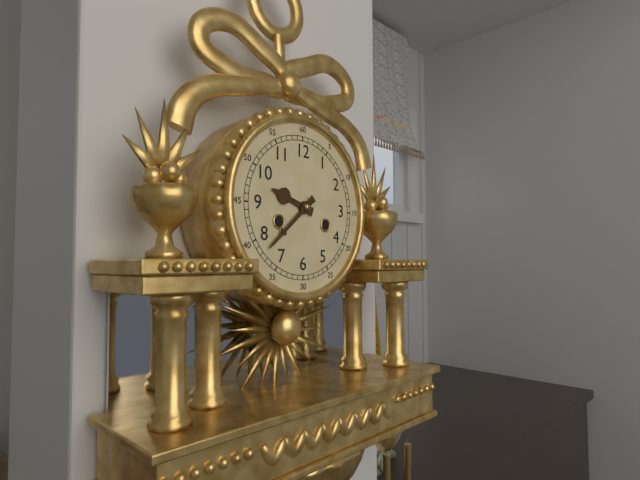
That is 9h38
